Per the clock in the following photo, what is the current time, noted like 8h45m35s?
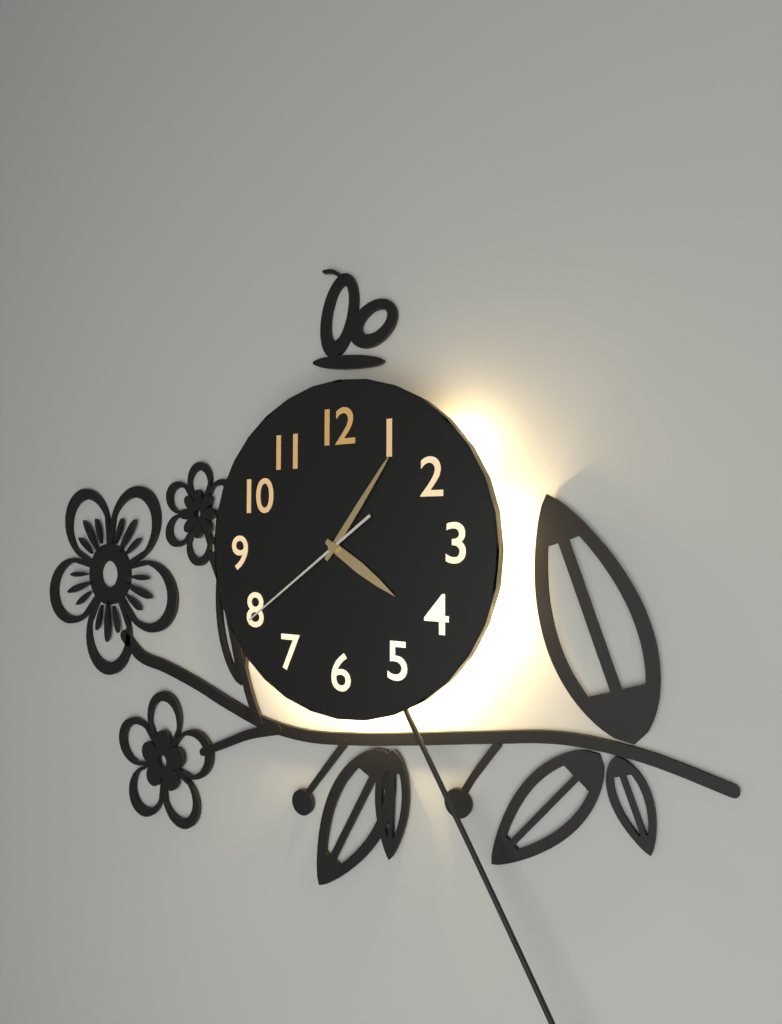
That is 4h06m39s
